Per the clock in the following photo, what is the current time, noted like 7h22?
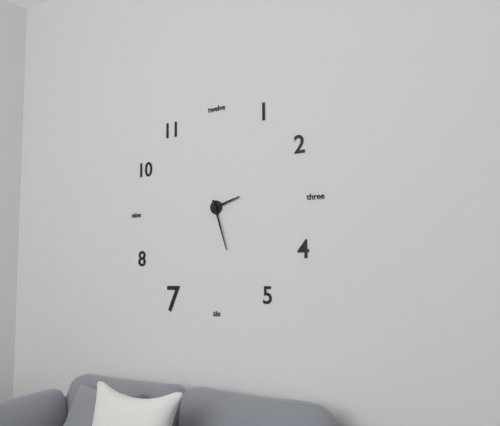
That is 2h27
